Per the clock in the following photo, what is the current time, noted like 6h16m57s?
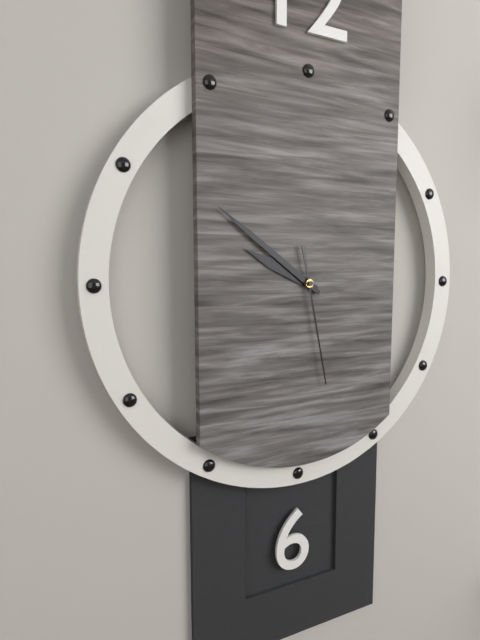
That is 9h51m28s
